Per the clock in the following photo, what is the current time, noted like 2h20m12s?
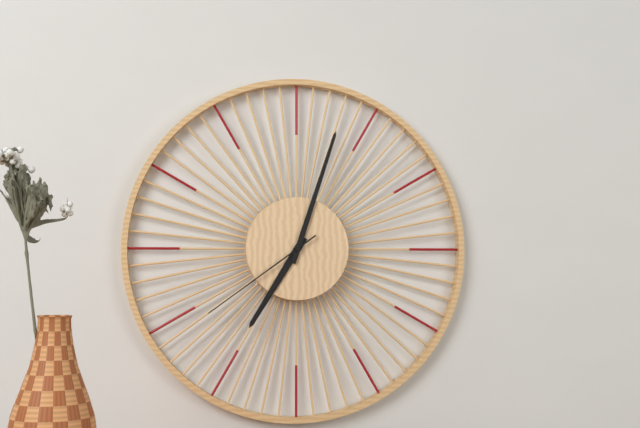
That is 7h03m39s
